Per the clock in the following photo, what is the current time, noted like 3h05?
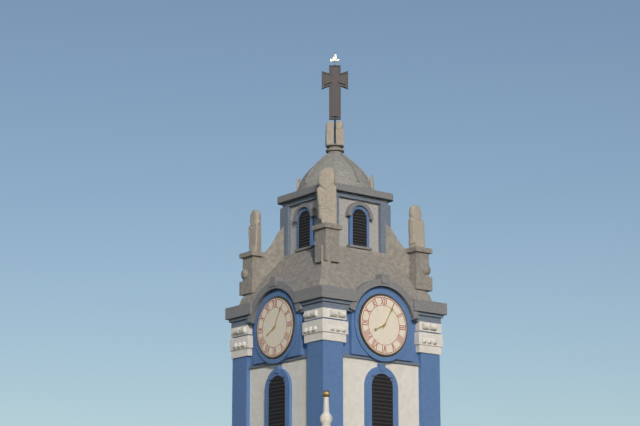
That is 8h05
